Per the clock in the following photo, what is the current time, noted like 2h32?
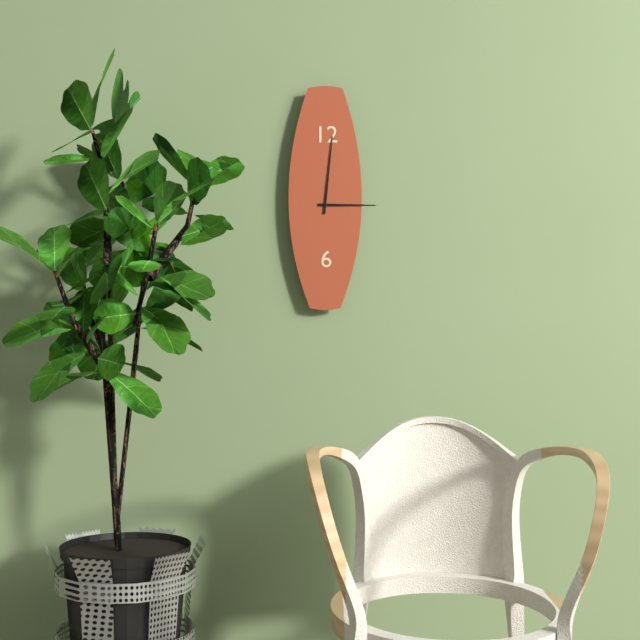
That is 3h01
